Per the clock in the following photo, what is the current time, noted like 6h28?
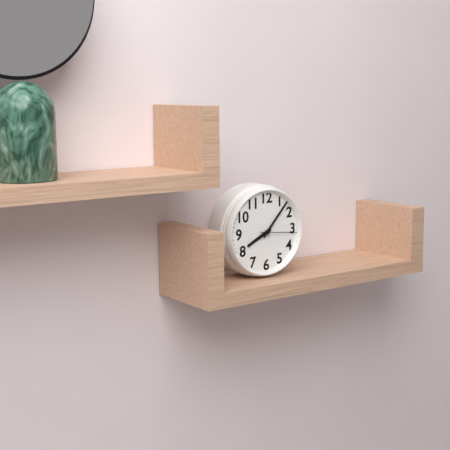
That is 8h07
